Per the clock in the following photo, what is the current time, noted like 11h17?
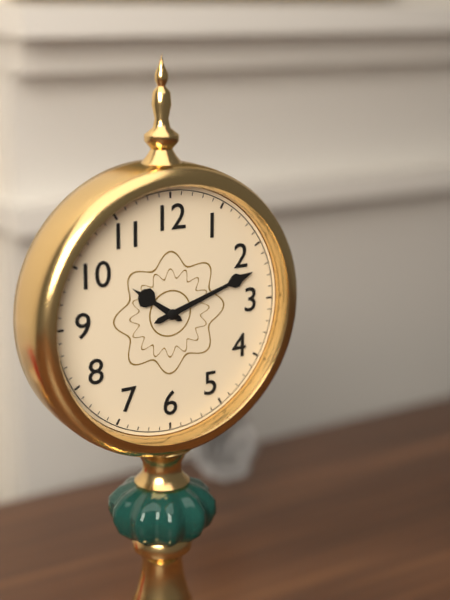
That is 10h12
